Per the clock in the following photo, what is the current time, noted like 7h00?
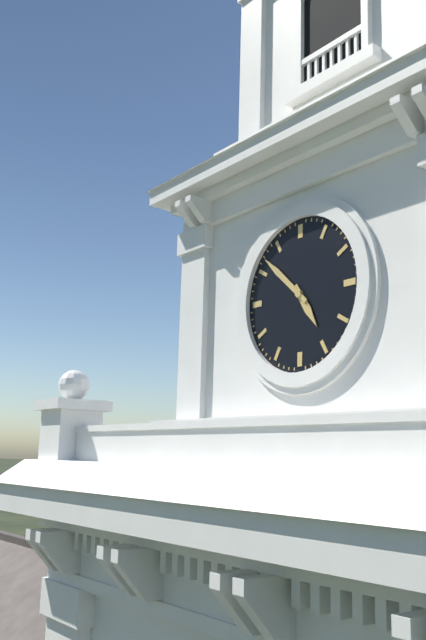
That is 4h52
